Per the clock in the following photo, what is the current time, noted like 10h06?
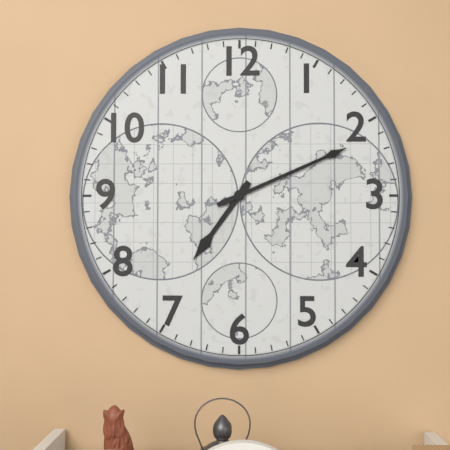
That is 7h11
